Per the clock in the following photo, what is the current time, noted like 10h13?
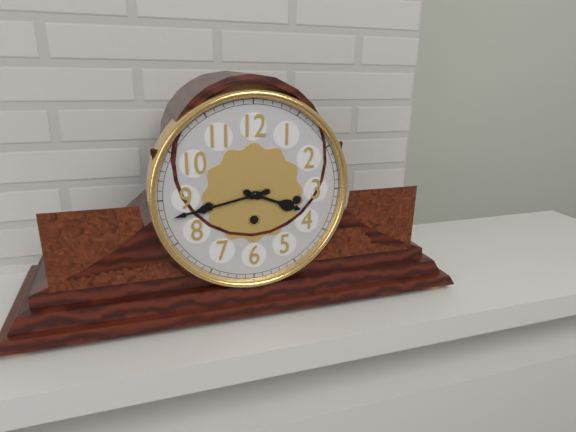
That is 3h43
